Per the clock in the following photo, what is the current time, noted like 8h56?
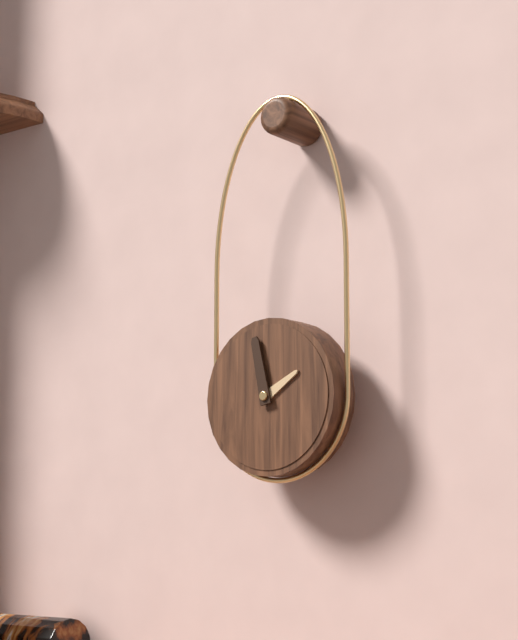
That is 1h58
